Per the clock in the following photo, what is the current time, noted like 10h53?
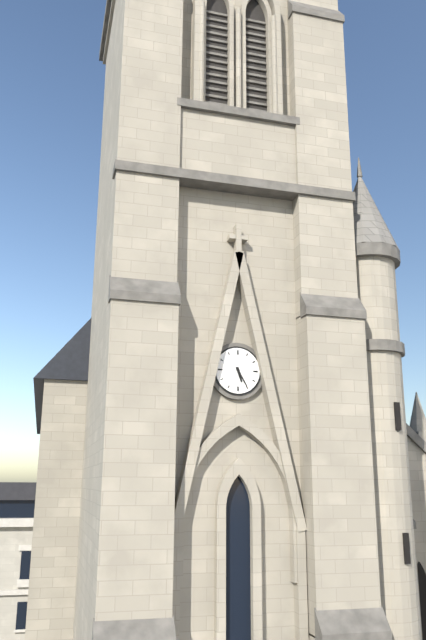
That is 5h25
